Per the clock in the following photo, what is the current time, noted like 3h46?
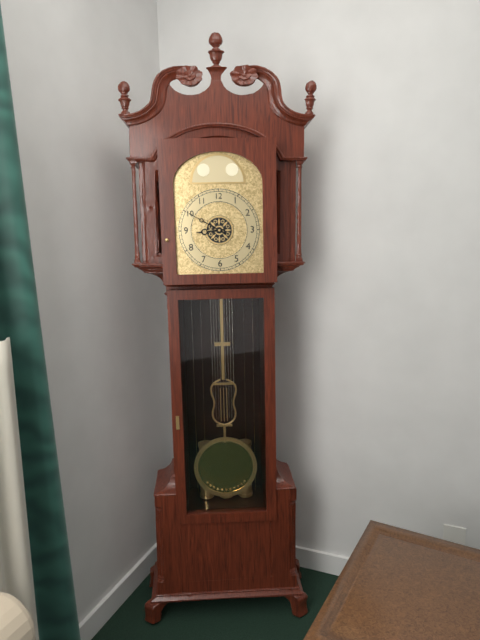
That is 8h50
